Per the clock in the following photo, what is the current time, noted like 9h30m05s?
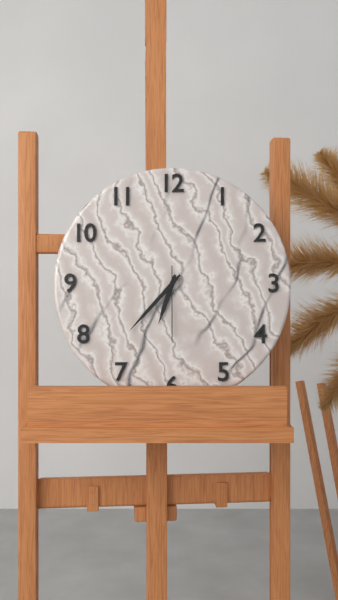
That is 6h37m30s
